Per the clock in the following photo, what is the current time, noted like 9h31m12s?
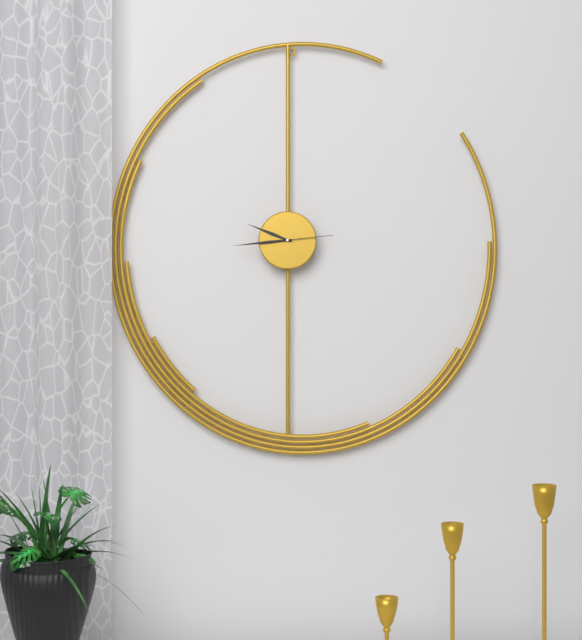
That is 9h44m14s
